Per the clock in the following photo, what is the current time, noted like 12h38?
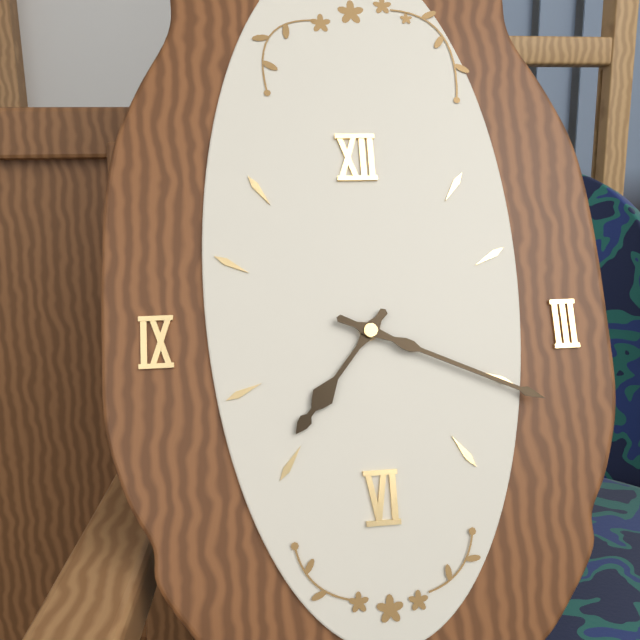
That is 7h19
